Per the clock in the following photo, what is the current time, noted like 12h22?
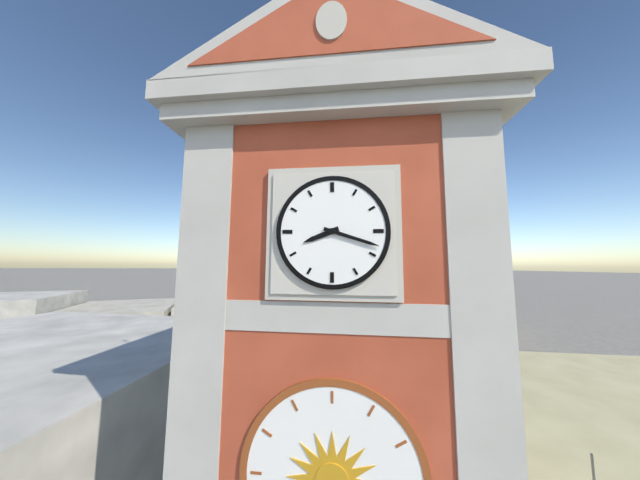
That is 8h18
